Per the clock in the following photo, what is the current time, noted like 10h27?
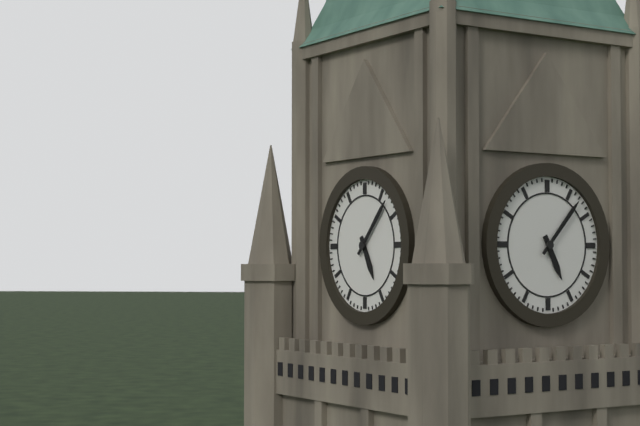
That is 5h07
